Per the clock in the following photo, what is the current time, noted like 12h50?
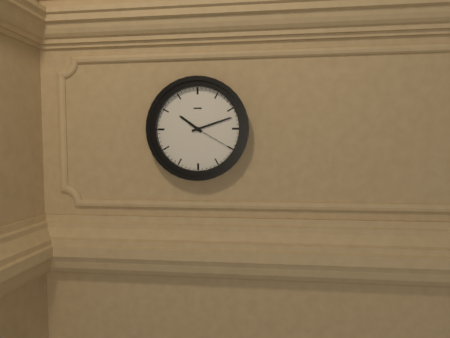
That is 10h12
